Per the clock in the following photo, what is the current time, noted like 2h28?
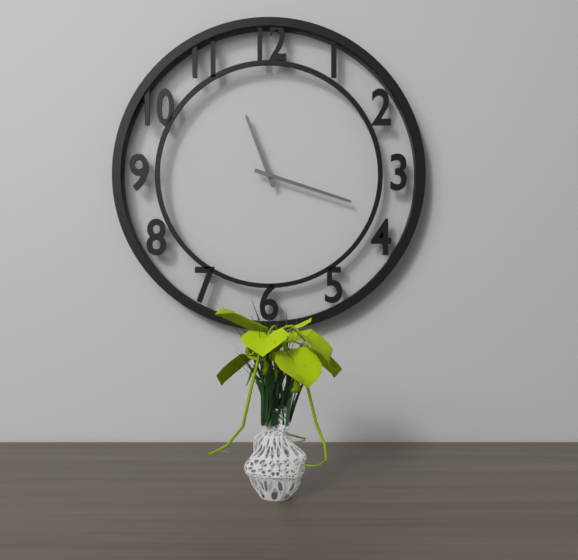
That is 11h18
